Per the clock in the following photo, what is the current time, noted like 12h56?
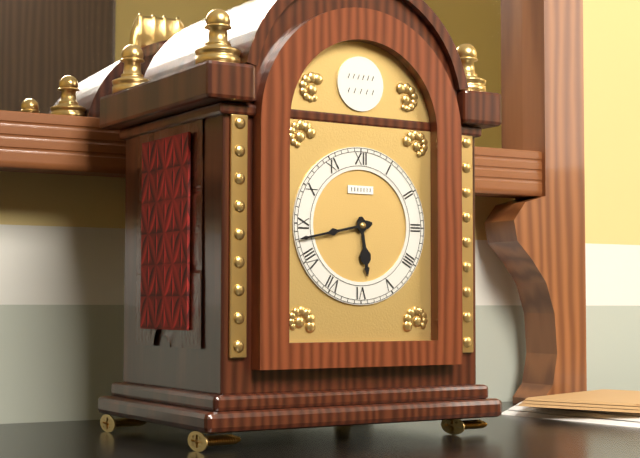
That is 5h43
